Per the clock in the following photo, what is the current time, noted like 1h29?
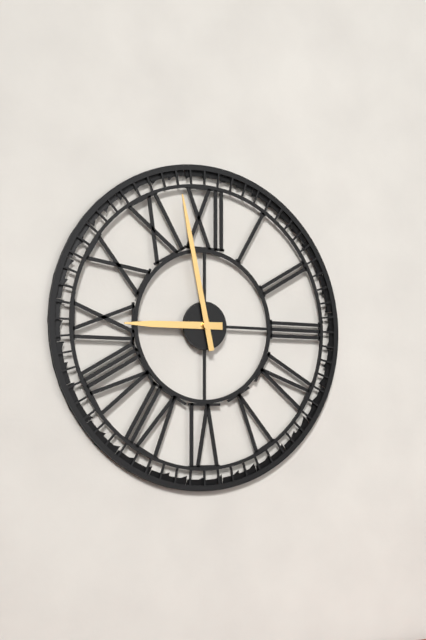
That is 8h58
